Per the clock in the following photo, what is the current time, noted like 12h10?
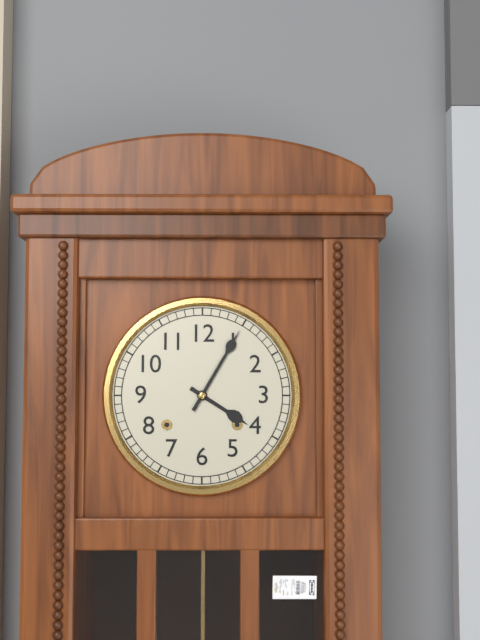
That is 4h05
